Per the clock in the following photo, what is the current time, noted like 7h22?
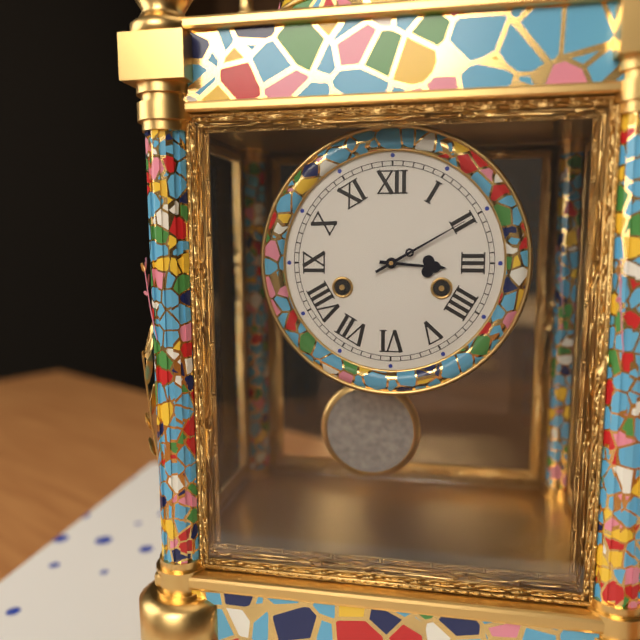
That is 3h10
